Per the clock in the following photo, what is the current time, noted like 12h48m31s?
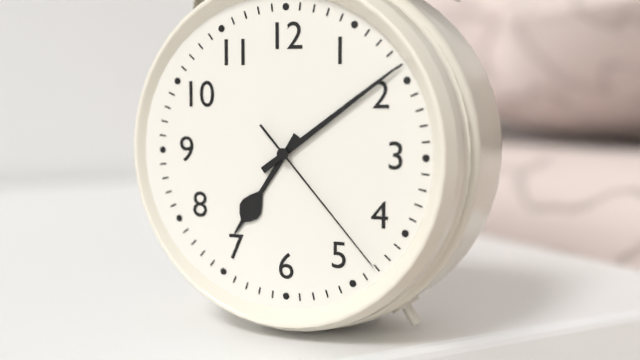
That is 7h09m23s
